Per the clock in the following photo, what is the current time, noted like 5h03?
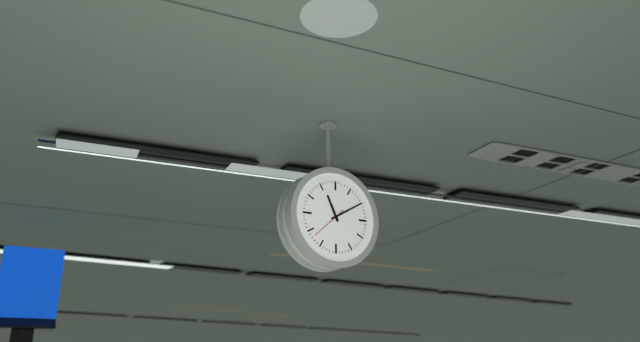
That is 11h10
